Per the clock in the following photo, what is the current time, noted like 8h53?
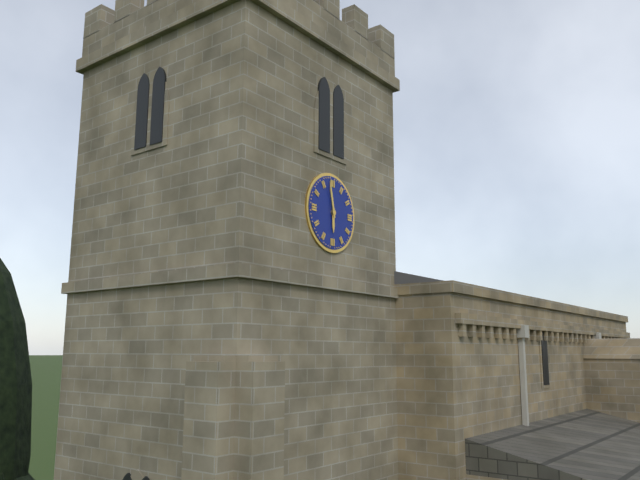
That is 5h58
